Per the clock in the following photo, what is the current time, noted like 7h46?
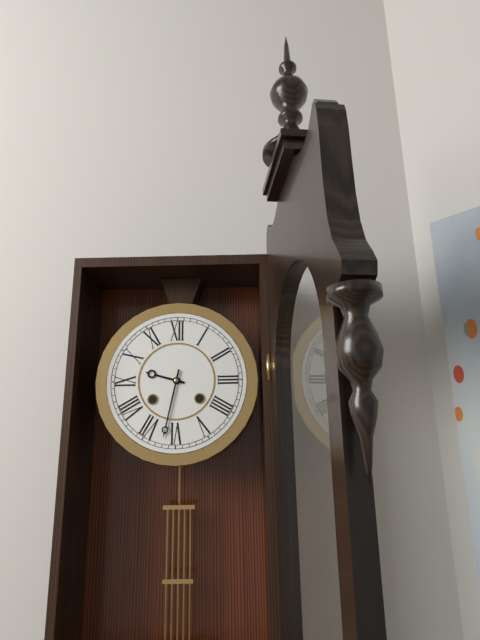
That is 9h32
